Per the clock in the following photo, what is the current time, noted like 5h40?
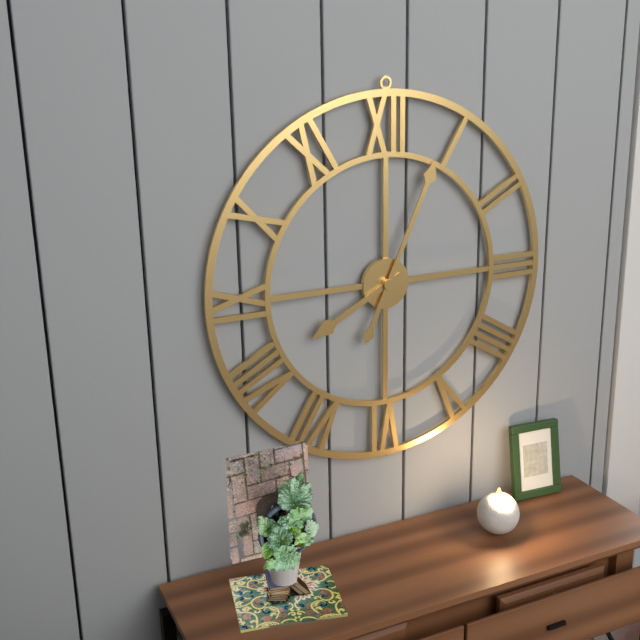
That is 8h04
